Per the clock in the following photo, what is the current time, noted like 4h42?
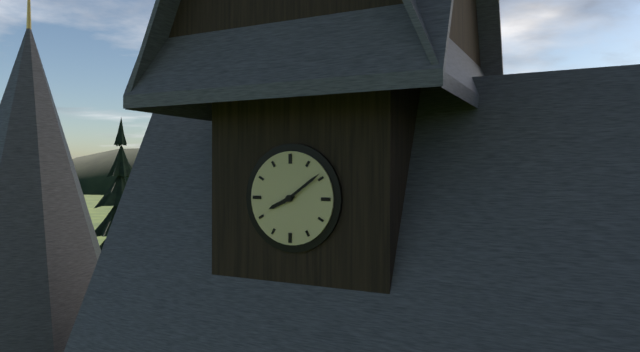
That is 8h09
